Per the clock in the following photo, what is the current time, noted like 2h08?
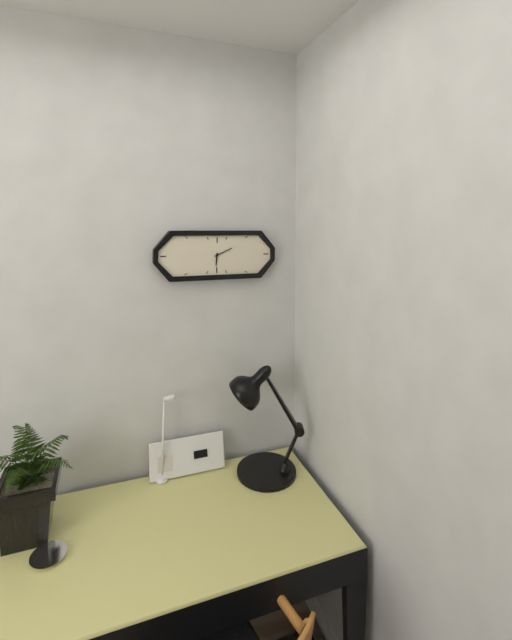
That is 6h11
